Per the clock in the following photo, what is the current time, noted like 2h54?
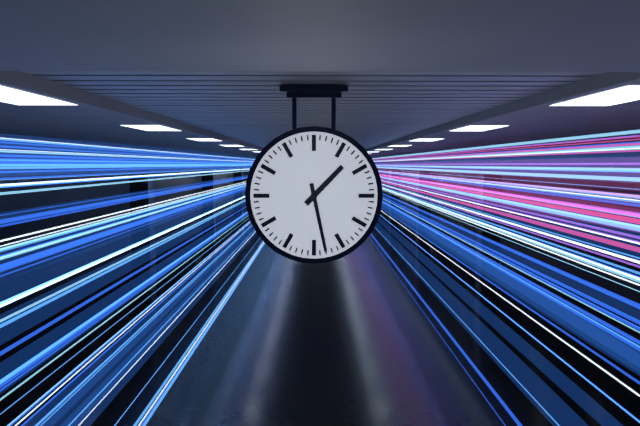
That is 1h28
